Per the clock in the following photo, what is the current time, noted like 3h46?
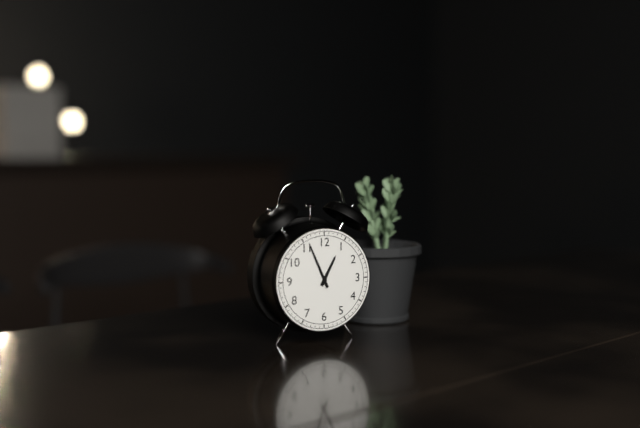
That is 12h56
